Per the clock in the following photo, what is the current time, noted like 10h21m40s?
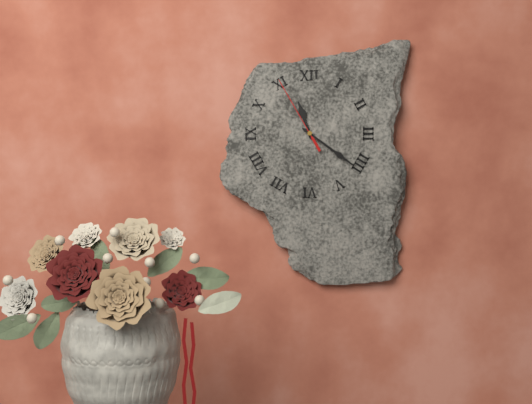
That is 11h21m55s
